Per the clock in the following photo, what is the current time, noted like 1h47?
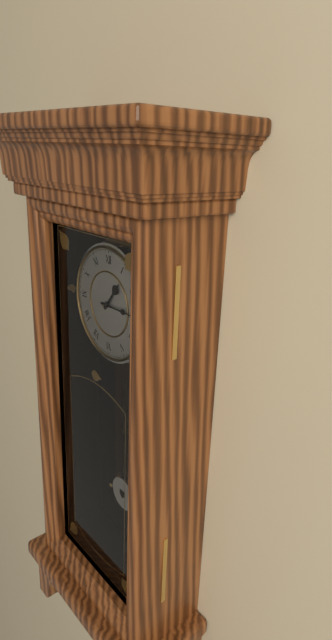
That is 1h15
